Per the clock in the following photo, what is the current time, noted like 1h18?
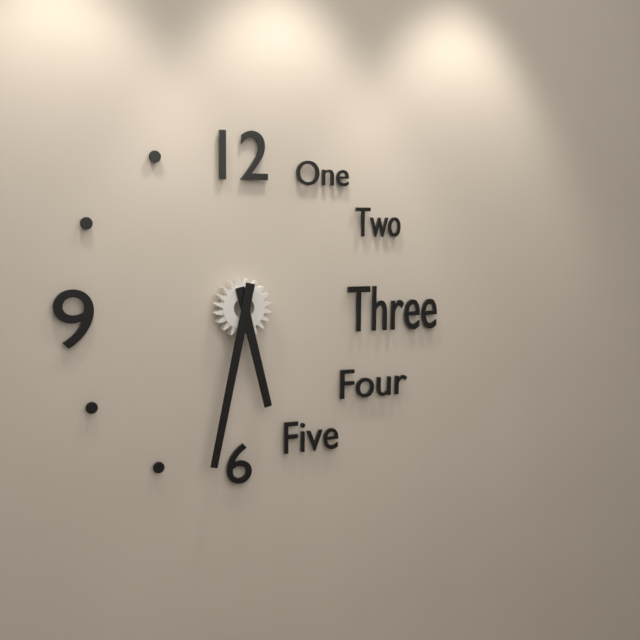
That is 5h32
